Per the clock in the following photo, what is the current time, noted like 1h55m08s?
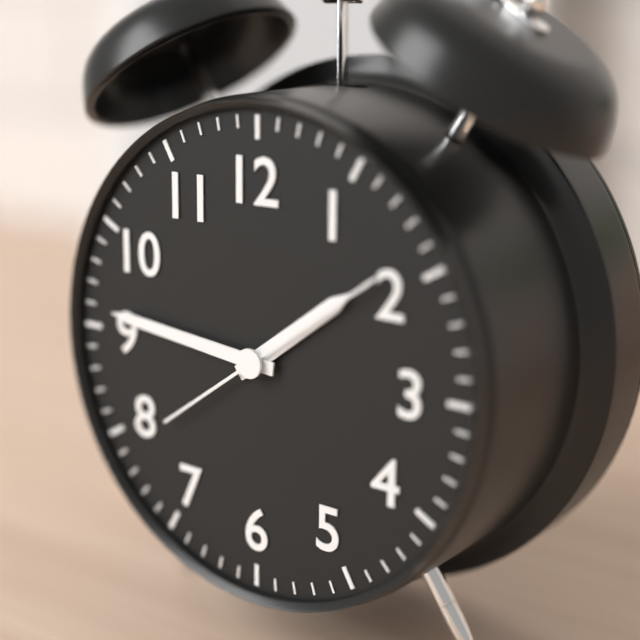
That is 1h46m09s
